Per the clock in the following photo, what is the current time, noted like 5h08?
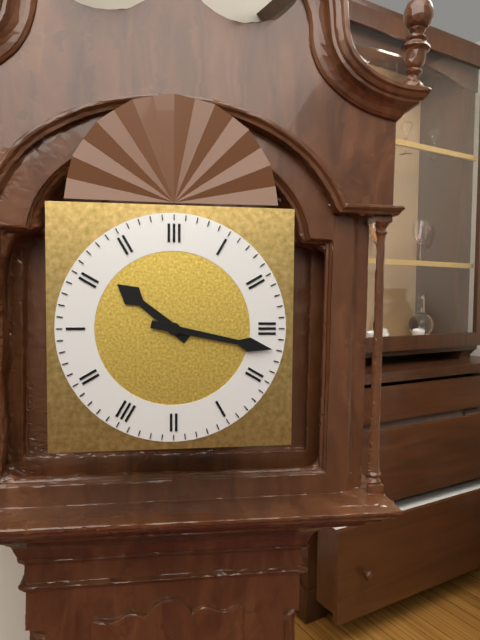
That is 10h17
